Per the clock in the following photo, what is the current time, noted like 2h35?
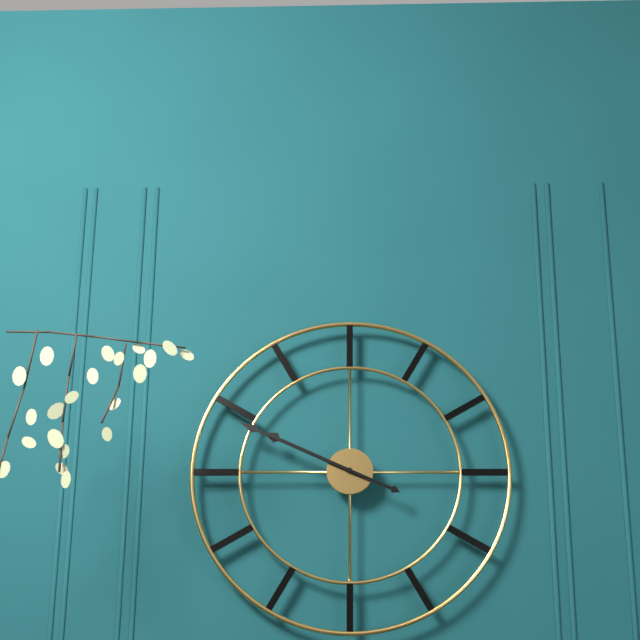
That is 9h49
